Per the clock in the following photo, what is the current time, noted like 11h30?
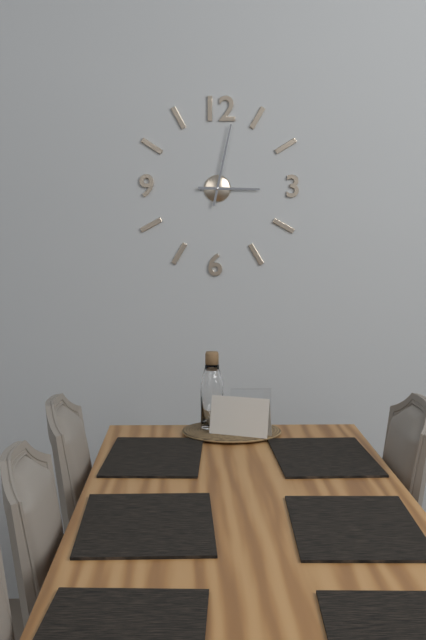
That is 3h02
